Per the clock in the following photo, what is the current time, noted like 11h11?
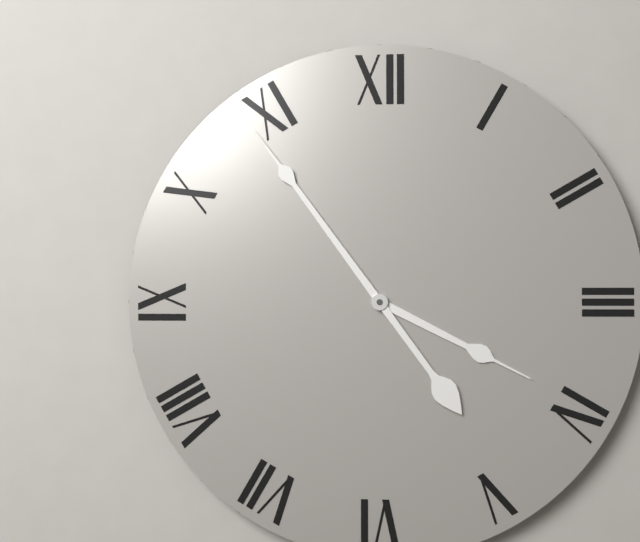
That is 3h54
